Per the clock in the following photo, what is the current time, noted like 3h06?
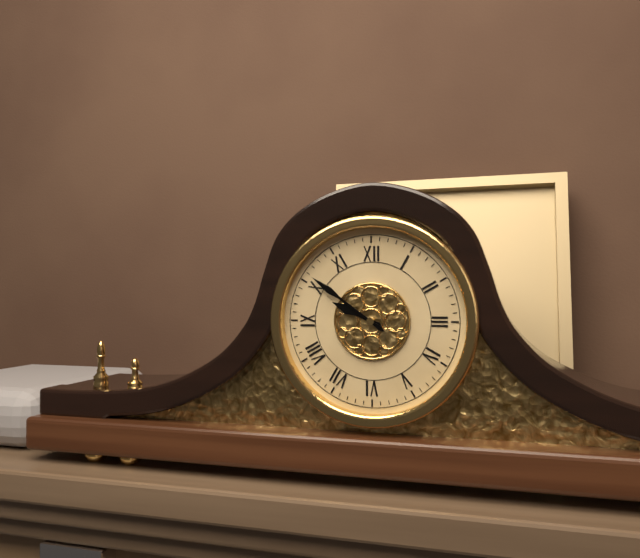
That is 9h51
